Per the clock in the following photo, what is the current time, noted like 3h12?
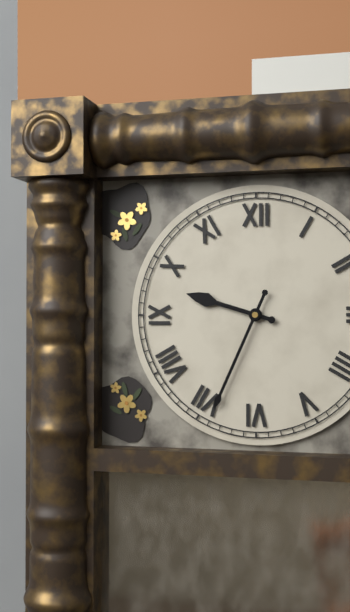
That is 9h34
